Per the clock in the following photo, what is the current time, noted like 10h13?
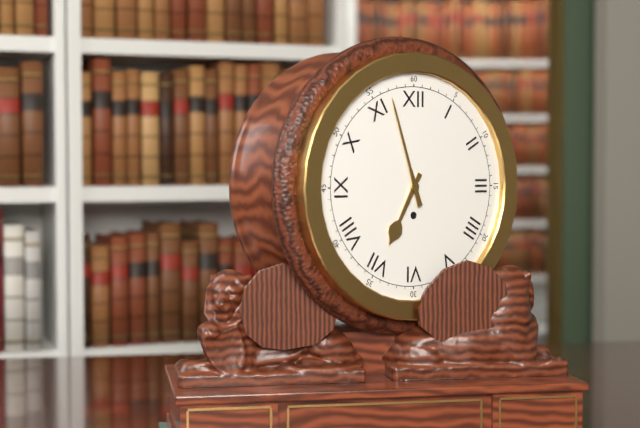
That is 6h57
